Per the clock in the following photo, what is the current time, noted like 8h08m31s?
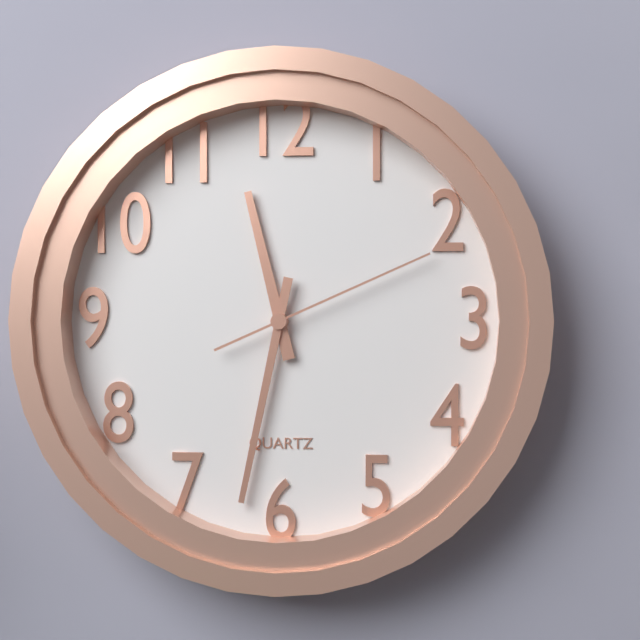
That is 11h32m11s
